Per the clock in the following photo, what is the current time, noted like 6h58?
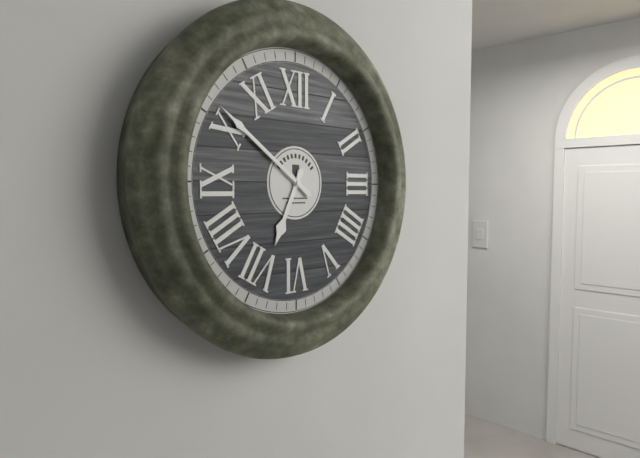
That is 6h51
